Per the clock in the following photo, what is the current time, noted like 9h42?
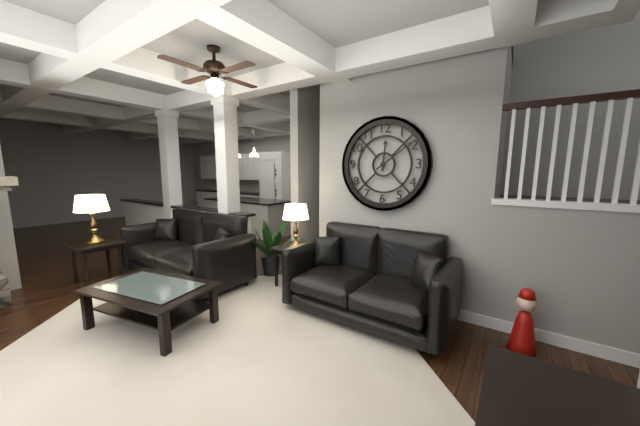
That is 12h09
